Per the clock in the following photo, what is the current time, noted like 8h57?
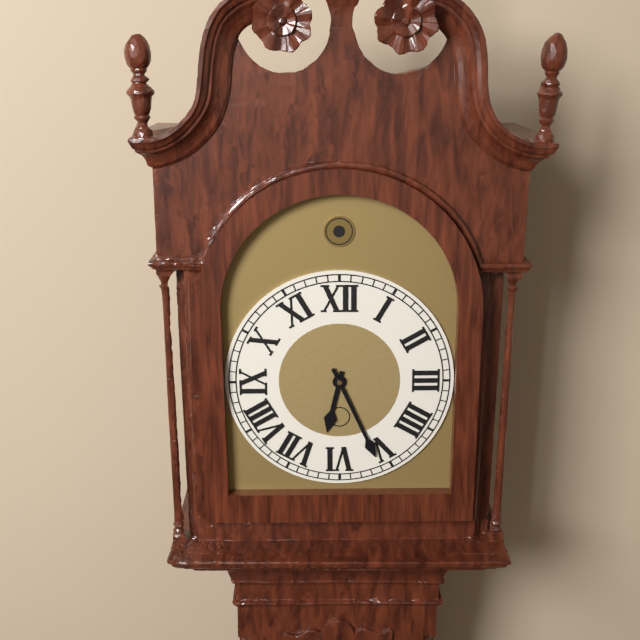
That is 6h26
